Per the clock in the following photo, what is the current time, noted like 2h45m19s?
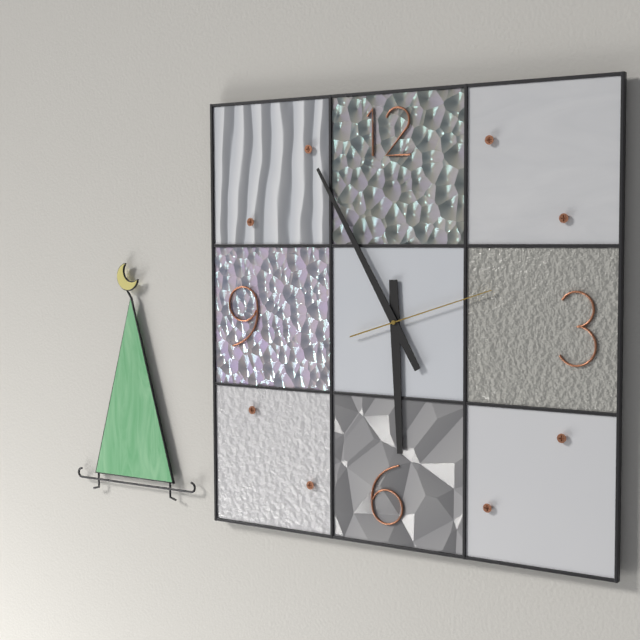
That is 5h55m12s
